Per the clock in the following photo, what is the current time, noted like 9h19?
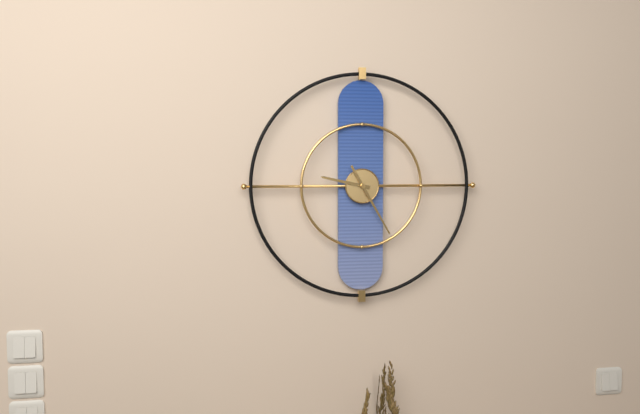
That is 9h25
